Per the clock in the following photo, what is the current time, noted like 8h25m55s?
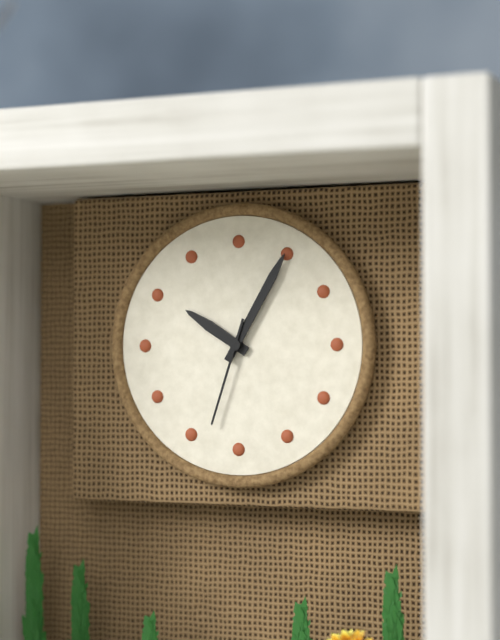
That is 10h05m33s
